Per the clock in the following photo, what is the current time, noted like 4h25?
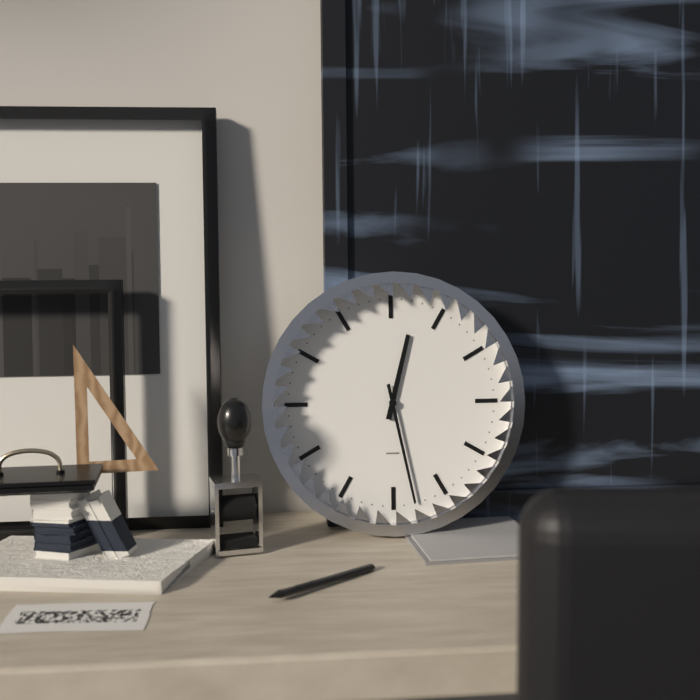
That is 12h28
